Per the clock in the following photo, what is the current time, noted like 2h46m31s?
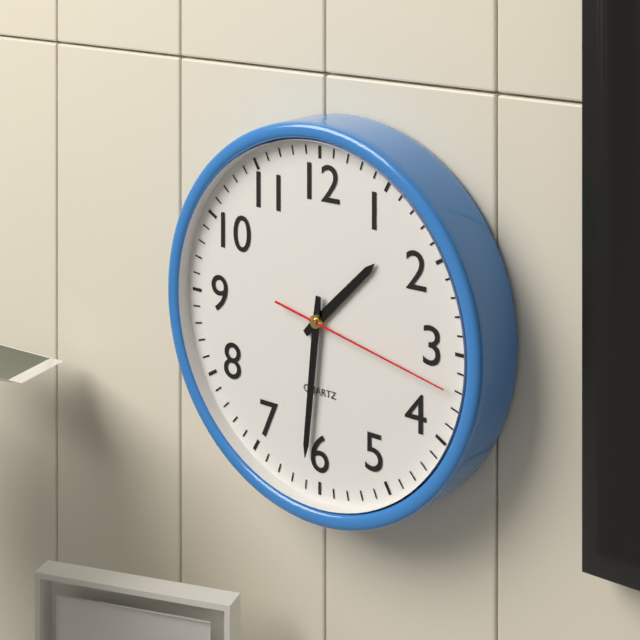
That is 1h31m17s
